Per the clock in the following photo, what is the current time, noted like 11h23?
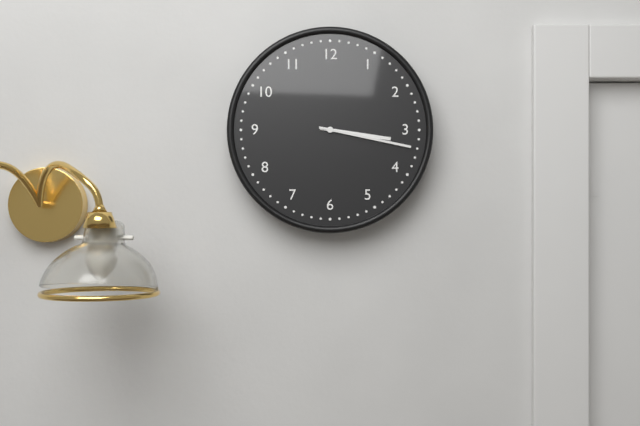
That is 3h17
